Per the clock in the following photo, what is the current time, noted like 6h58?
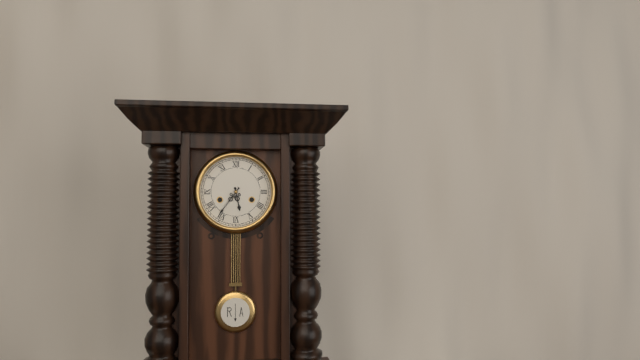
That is 5h36
